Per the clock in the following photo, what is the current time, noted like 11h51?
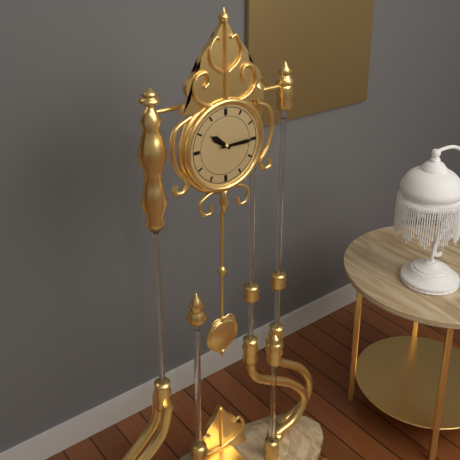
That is 10h15
